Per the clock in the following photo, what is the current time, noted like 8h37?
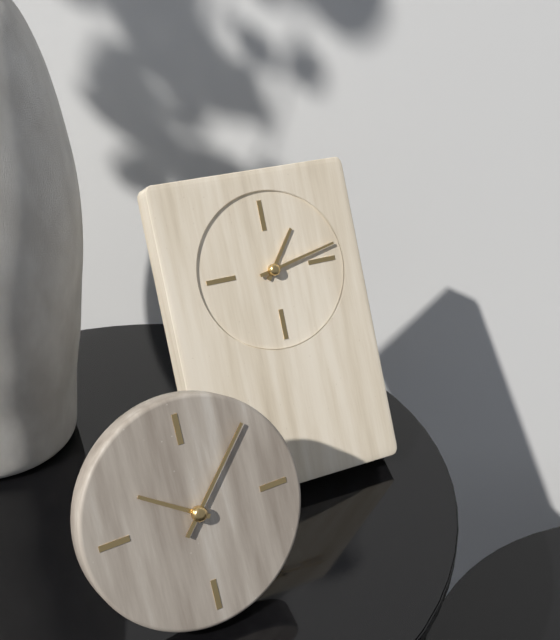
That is 1h13
